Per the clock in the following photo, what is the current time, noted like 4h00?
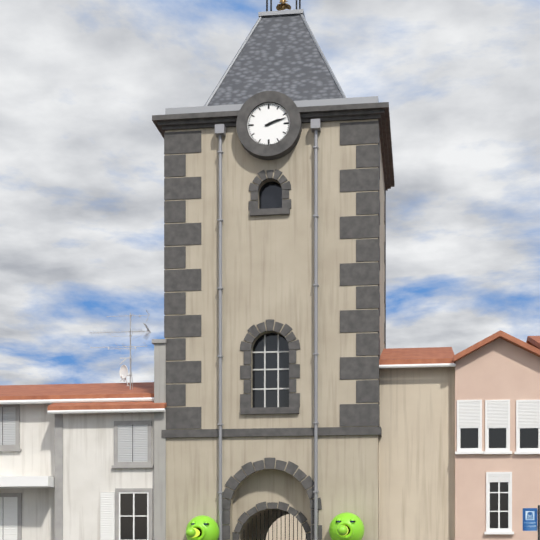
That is 2h12
